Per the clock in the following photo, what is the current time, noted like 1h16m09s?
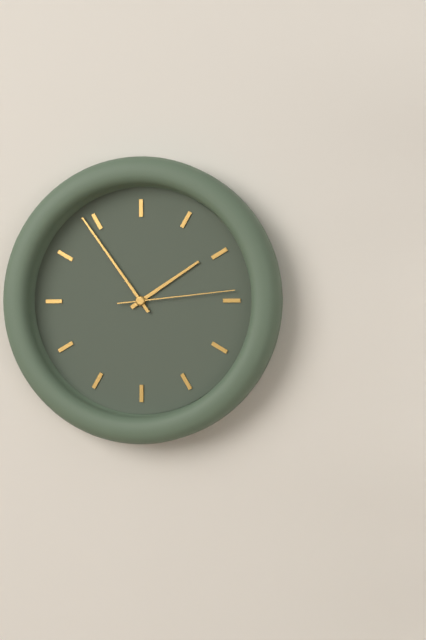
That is 1h54m14s
